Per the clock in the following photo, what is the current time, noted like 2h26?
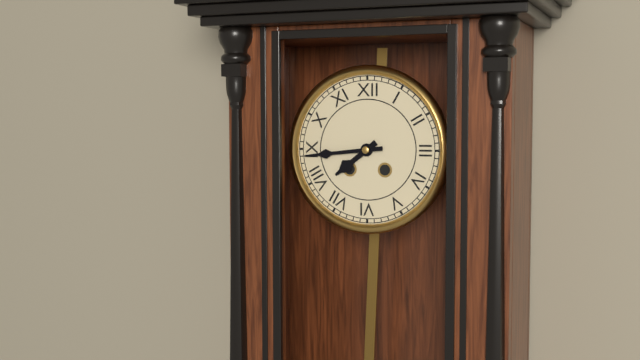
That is 7h44
